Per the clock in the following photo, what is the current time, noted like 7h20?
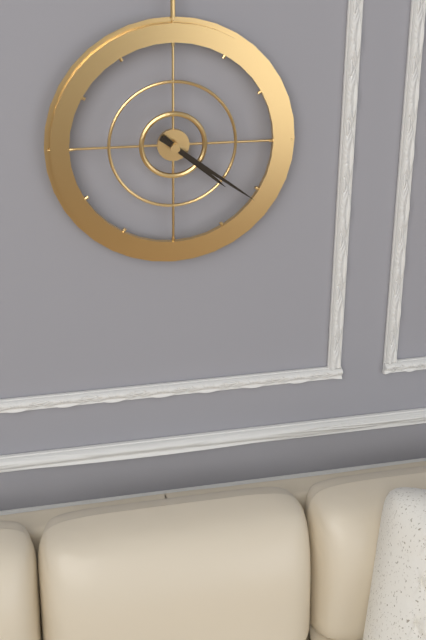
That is 4h21
